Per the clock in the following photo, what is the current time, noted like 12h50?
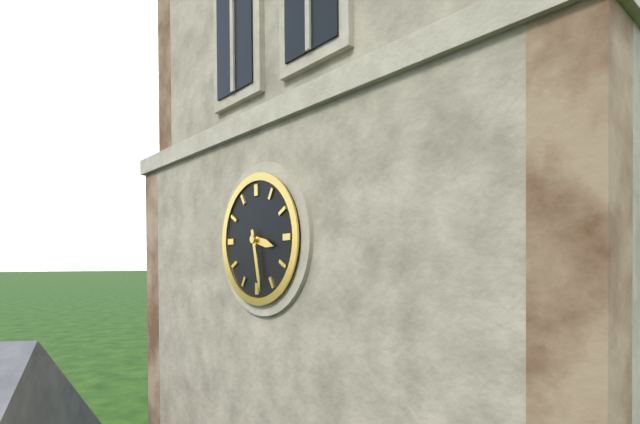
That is 3h28
